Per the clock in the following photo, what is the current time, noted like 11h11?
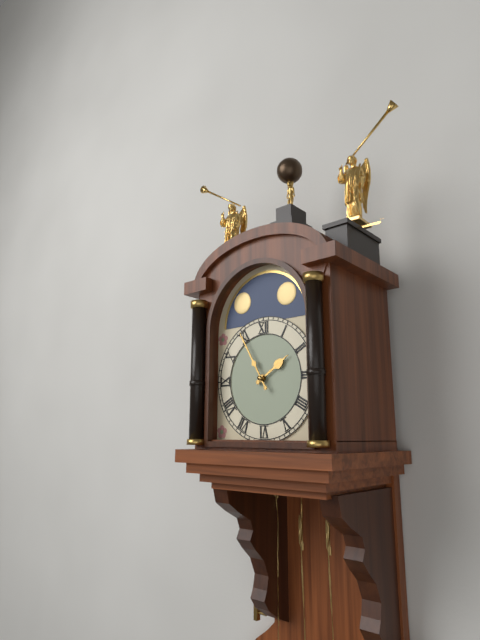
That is 1h55
